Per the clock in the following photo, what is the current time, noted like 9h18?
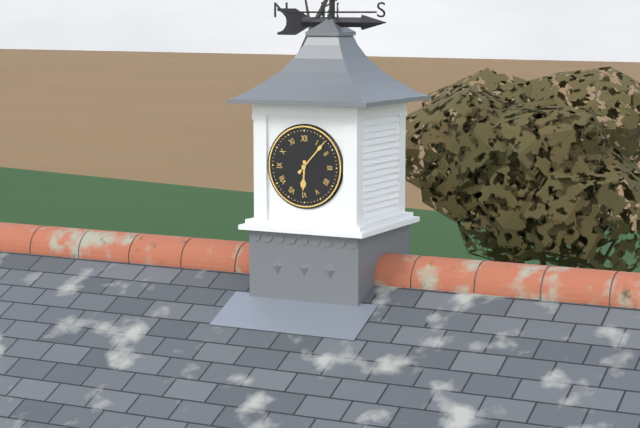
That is 6h07
